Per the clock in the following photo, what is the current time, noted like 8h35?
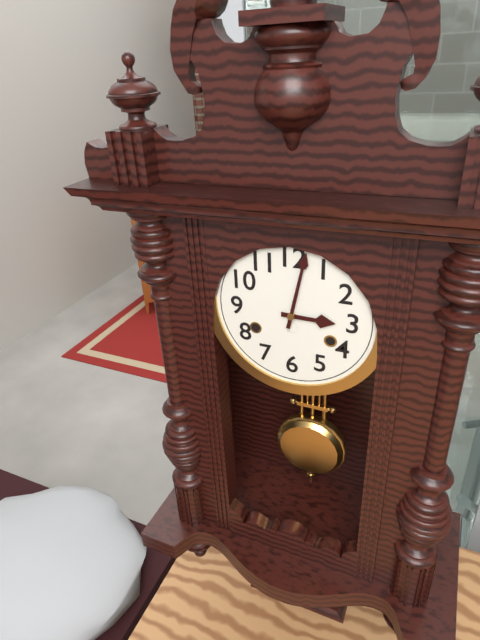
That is 3h02
